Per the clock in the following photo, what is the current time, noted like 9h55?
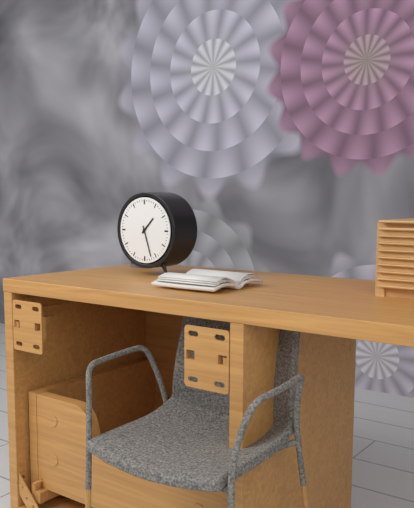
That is 1h27
